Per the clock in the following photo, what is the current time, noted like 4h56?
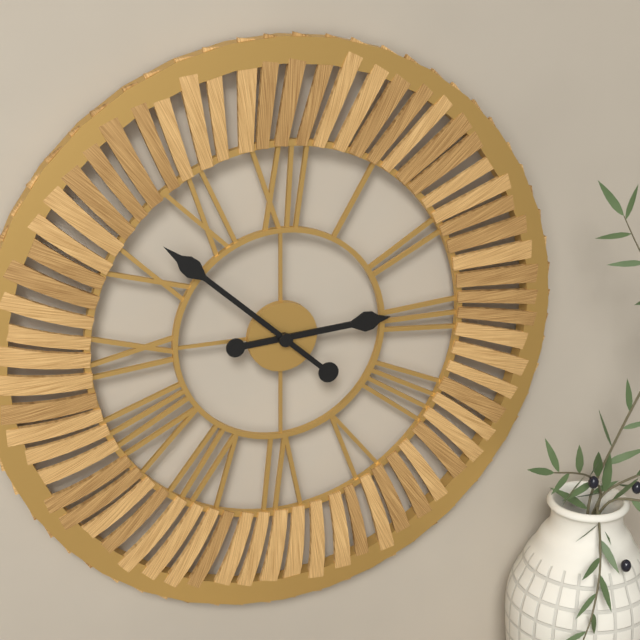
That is 2h52
